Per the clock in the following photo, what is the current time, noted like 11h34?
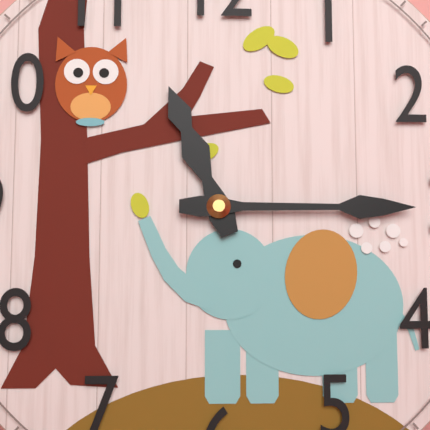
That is 11h15
